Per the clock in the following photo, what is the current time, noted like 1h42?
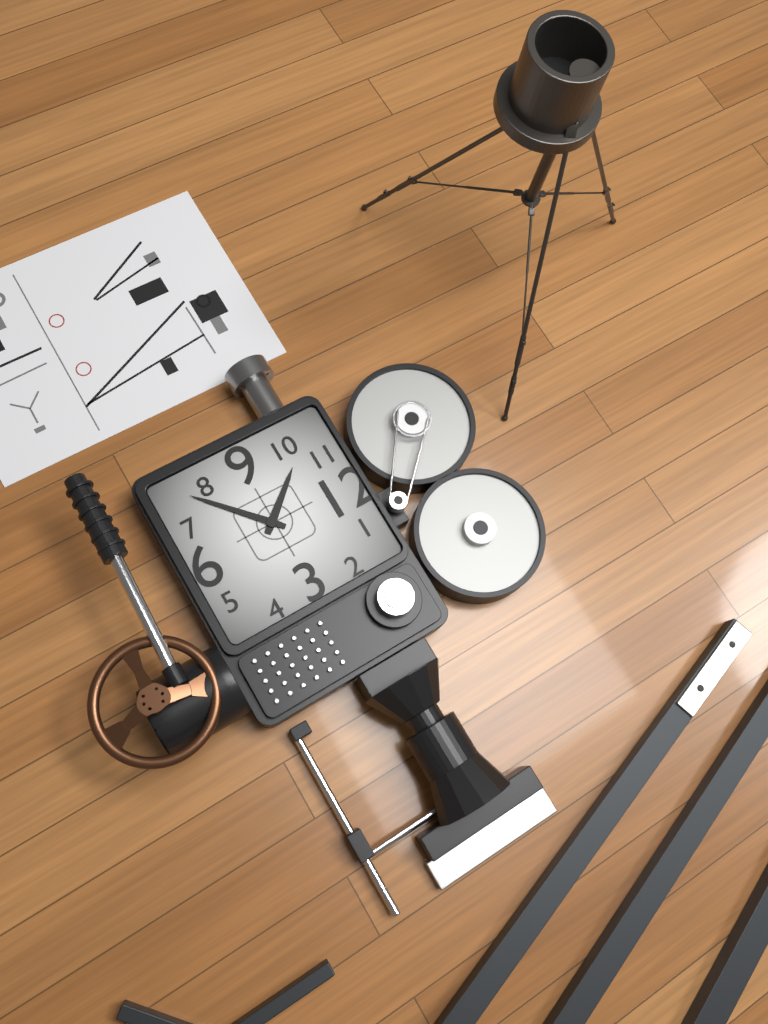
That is 10h38
